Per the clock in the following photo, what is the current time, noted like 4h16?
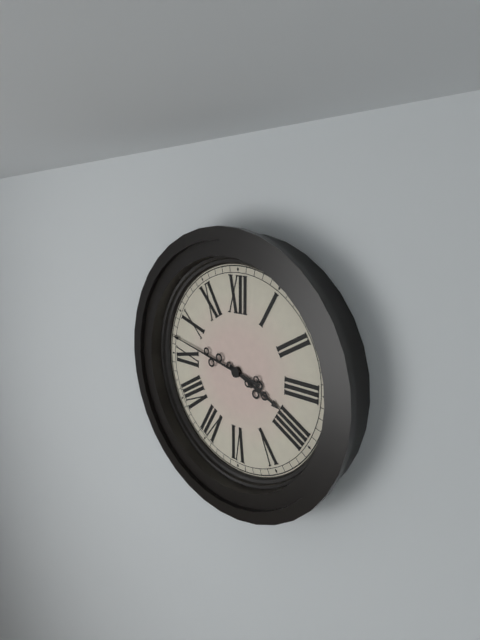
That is 3h47
